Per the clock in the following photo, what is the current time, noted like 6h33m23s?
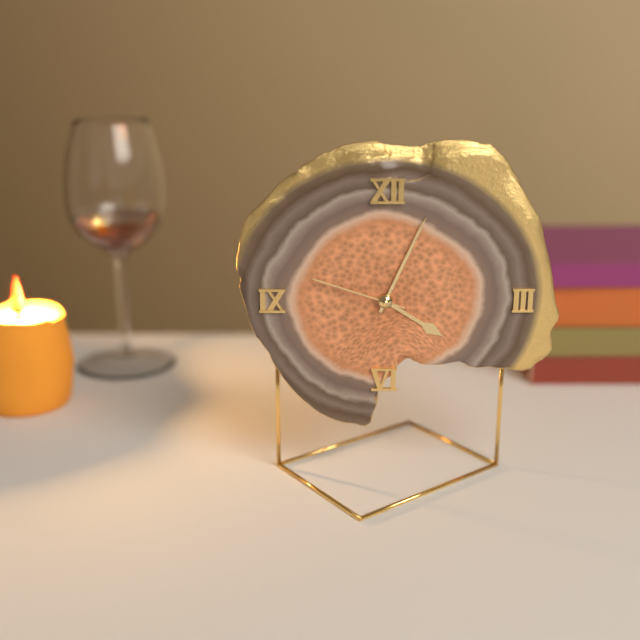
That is 4h04m48s
